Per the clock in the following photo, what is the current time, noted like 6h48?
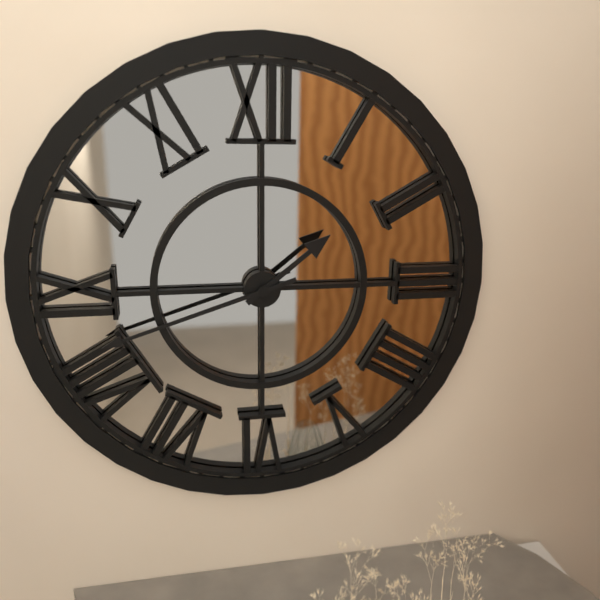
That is 1h42
